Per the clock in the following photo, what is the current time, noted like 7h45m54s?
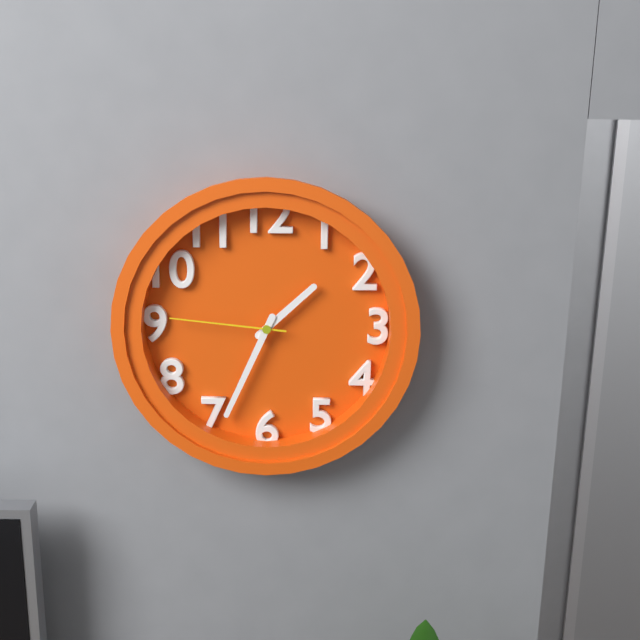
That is 1h34m46s
